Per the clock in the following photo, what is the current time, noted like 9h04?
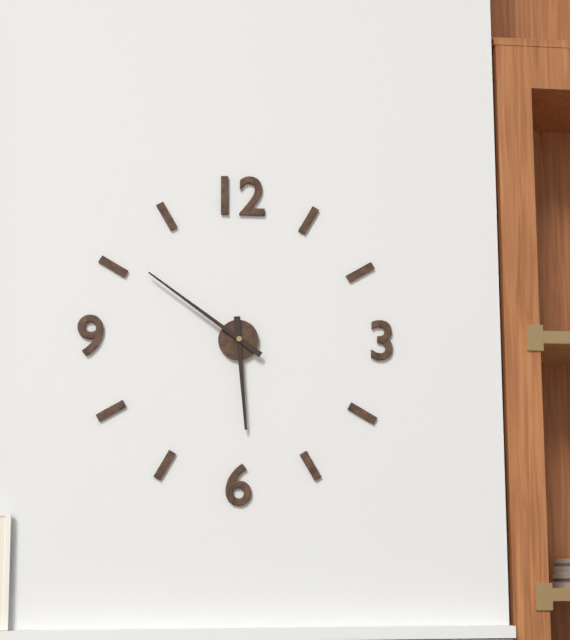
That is 5h51
